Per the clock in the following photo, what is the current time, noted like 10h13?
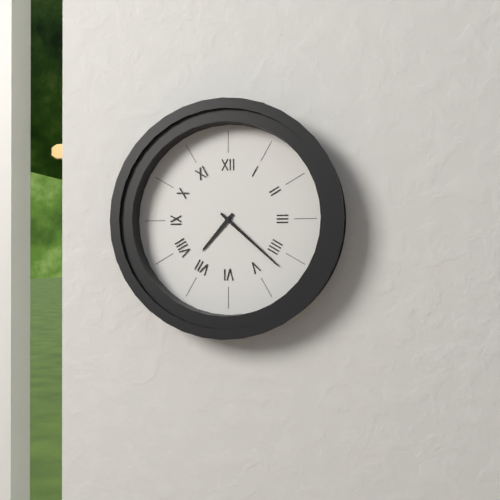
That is 7h22
